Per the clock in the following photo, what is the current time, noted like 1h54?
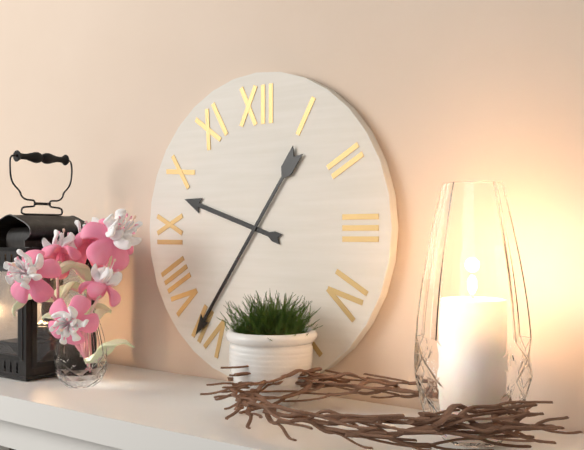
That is 9h36
